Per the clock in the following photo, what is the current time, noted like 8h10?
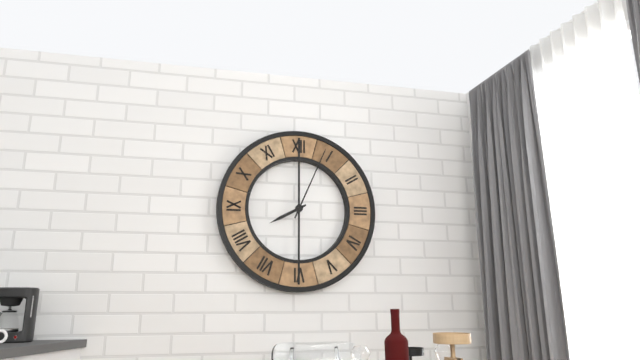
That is 8h04
